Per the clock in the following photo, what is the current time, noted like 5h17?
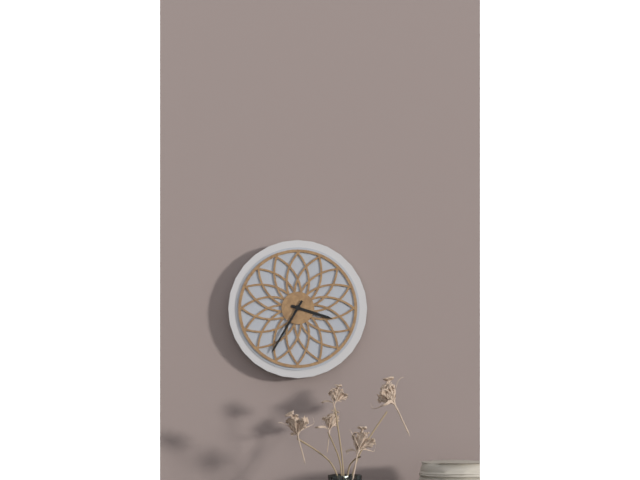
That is 3h35
